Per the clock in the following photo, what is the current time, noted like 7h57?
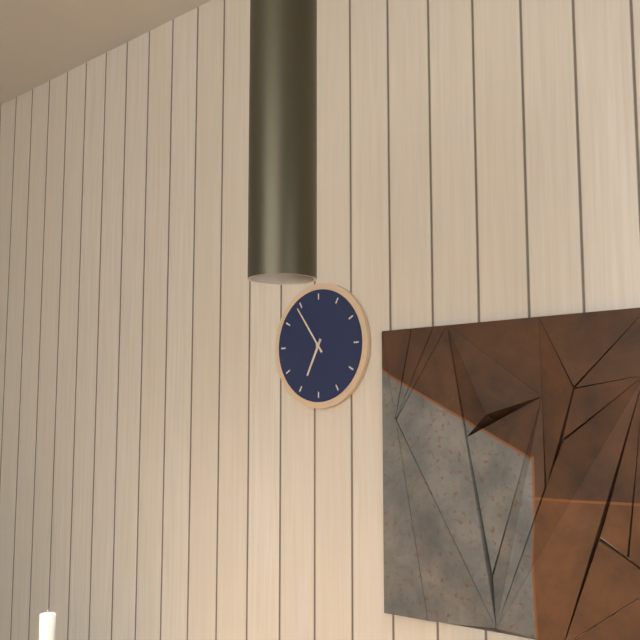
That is 6h54
